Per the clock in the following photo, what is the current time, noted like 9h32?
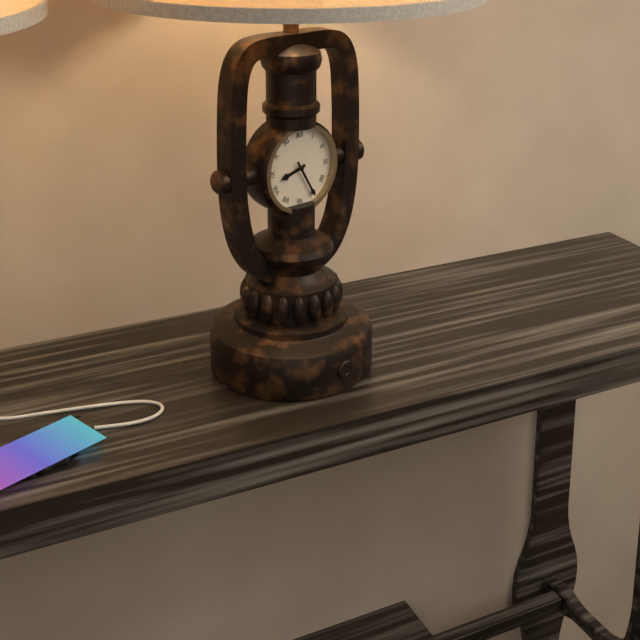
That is 8h25
